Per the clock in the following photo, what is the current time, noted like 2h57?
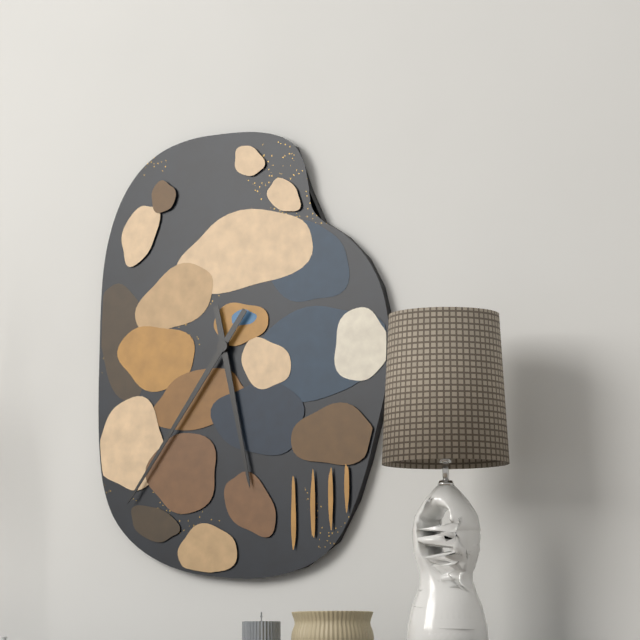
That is 5h36
